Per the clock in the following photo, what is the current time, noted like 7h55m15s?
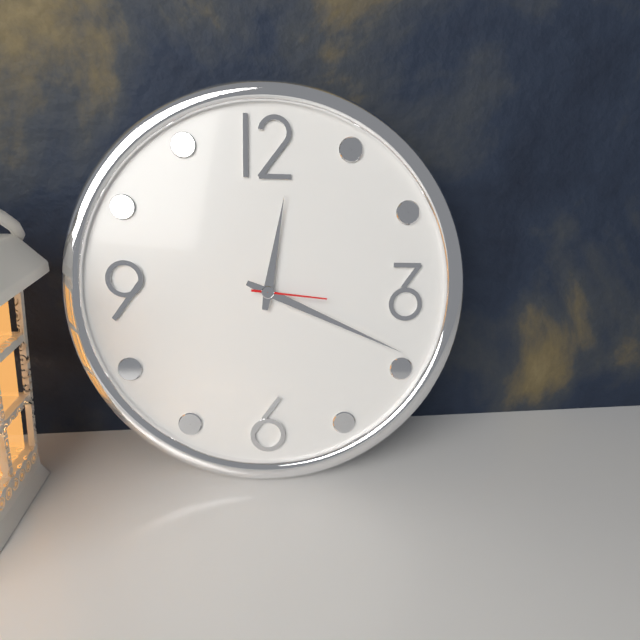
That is 12h19m16s
